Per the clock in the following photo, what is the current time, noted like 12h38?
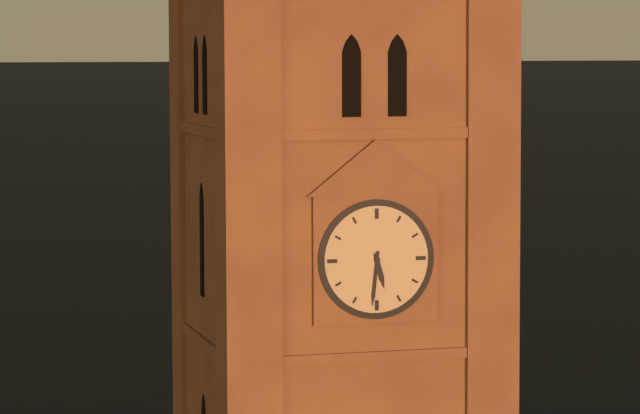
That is 5h31
